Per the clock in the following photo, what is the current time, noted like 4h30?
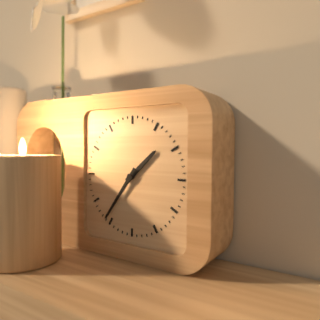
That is 1h36
